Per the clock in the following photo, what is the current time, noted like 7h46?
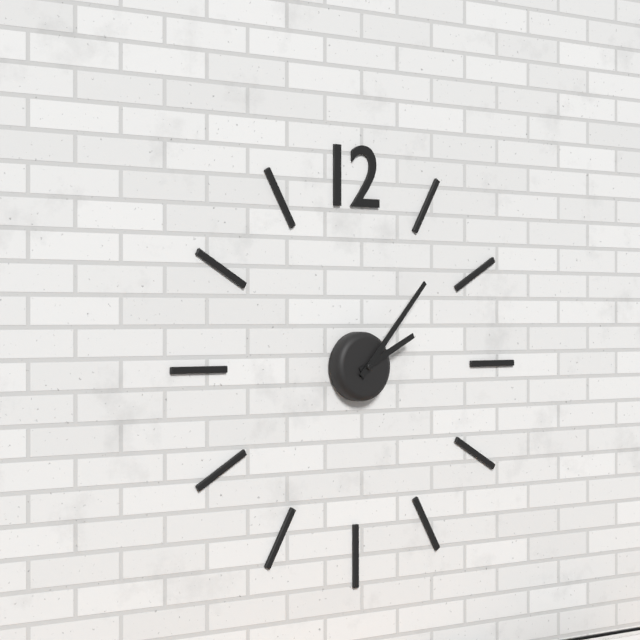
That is 2h07
